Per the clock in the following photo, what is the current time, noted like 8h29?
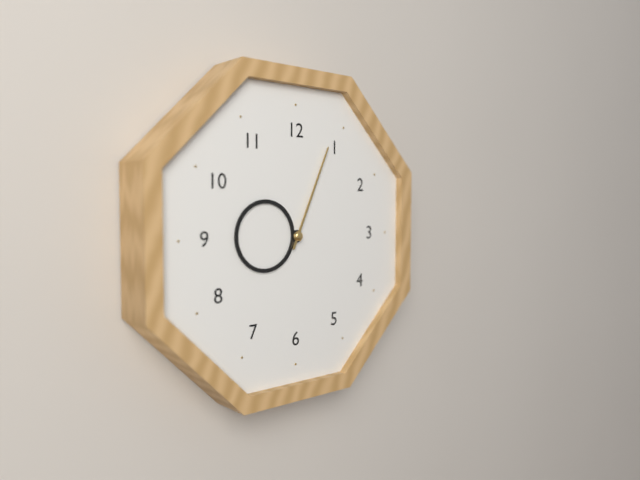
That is 9h04
